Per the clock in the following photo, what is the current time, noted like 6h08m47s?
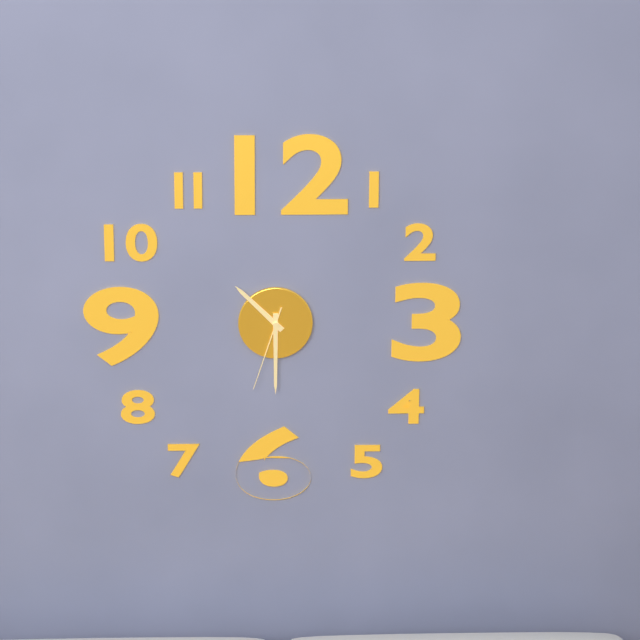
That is 10h30m33s
